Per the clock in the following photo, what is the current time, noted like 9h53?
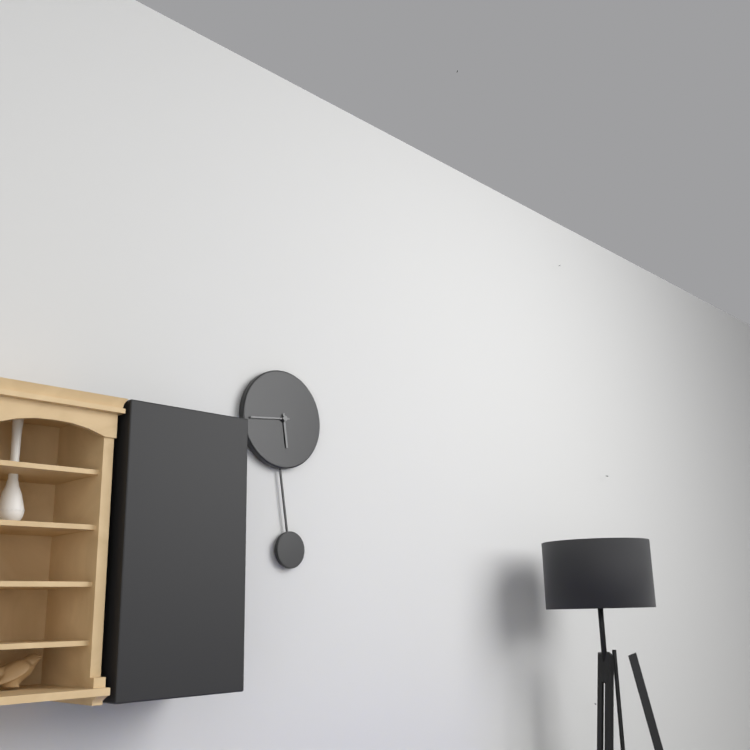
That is 5h44
